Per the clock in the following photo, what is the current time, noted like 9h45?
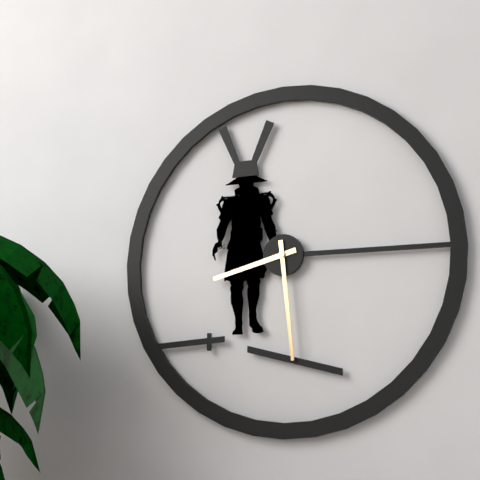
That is 8h29
